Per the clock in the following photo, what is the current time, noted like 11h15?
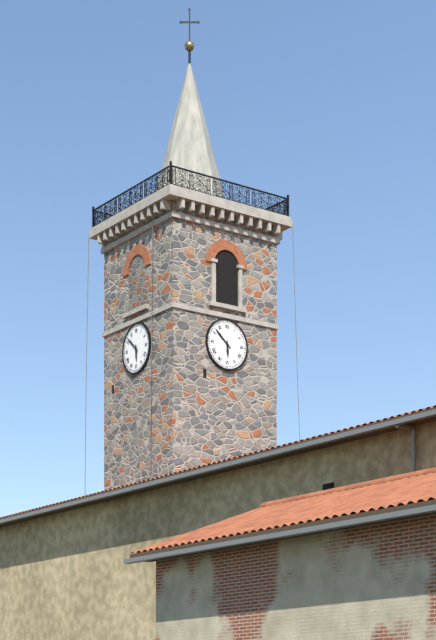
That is 5h52
